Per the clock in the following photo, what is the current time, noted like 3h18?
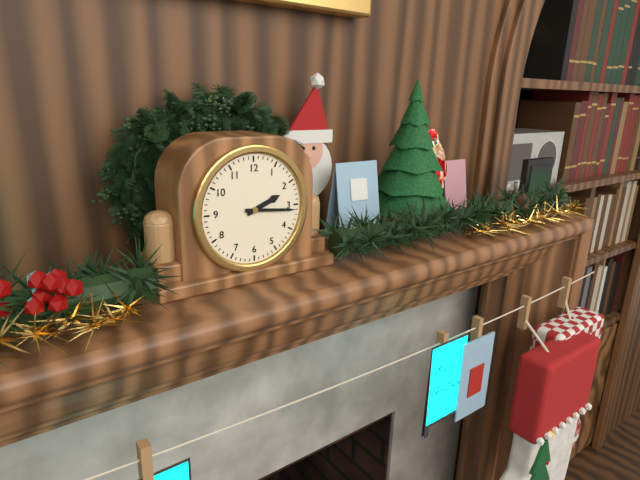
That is 2h16
